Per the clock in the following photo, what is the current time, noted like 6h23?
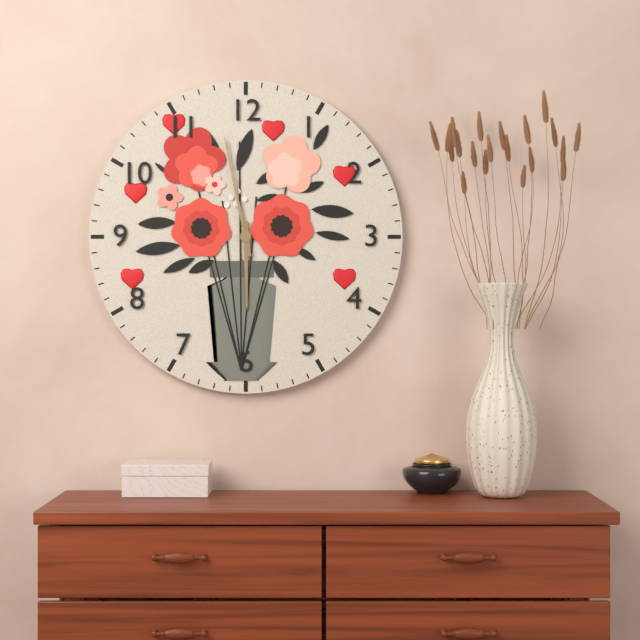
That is 5h58
